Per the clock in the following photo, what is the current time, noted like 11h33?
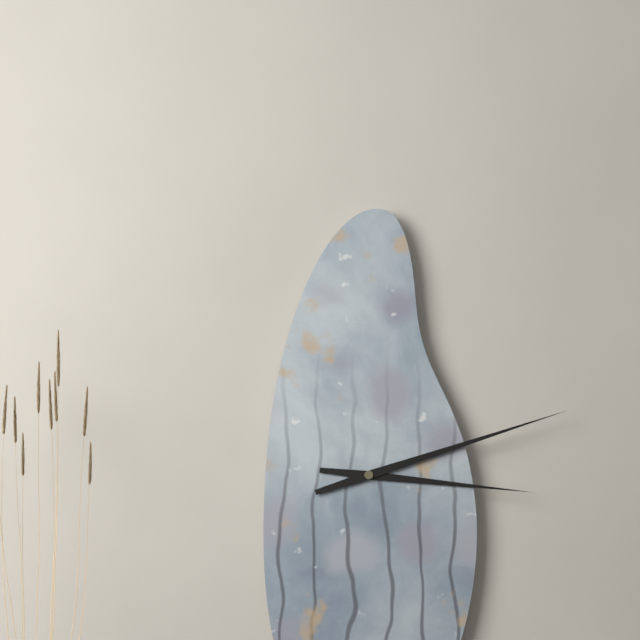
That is 3h12
